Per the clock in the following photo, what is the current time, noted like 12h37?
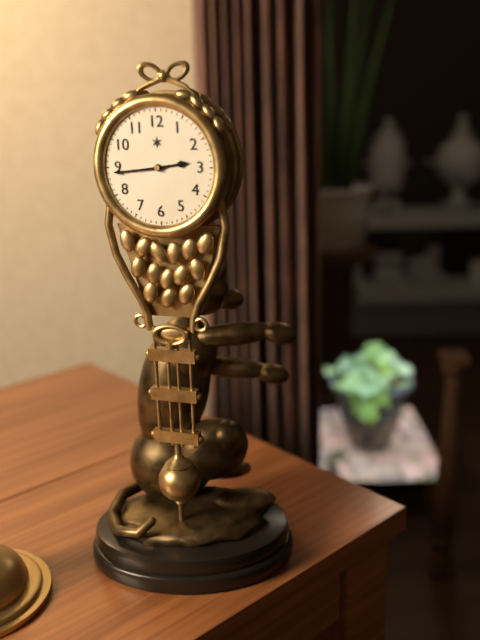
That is 2h44
